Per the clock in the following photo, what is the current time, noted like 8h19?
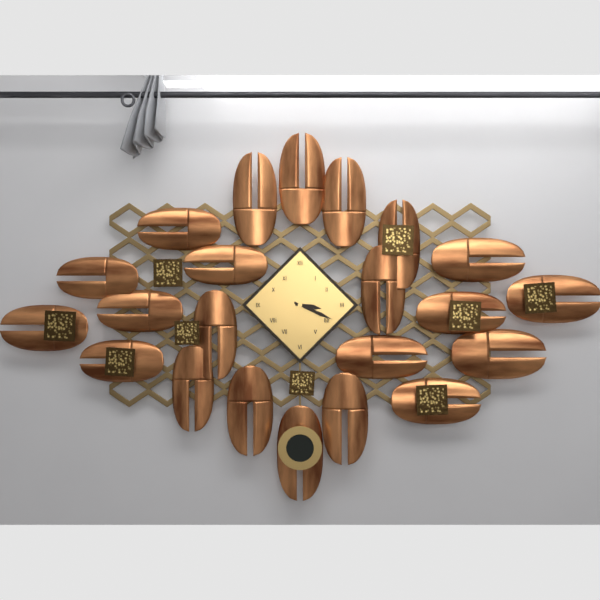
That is 3h19
